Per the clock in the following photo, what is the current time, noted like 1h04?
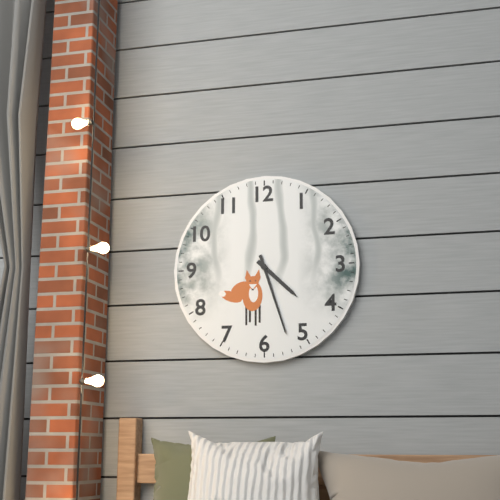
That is 4h27
